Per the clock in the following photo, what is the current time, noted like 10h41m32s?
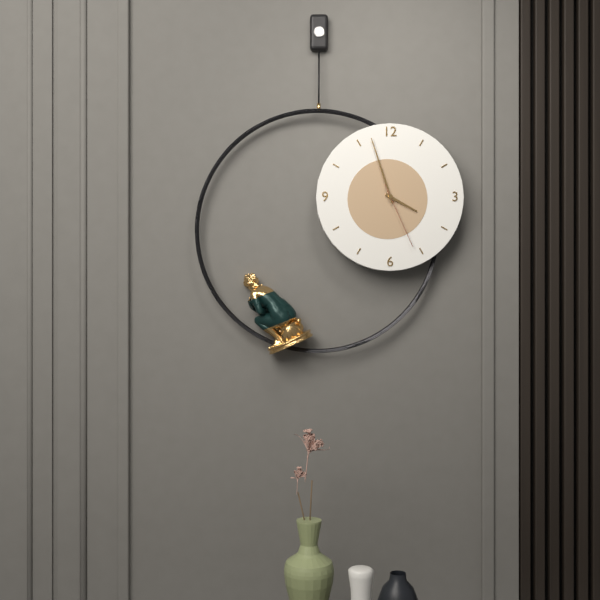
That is 3h57m26s
